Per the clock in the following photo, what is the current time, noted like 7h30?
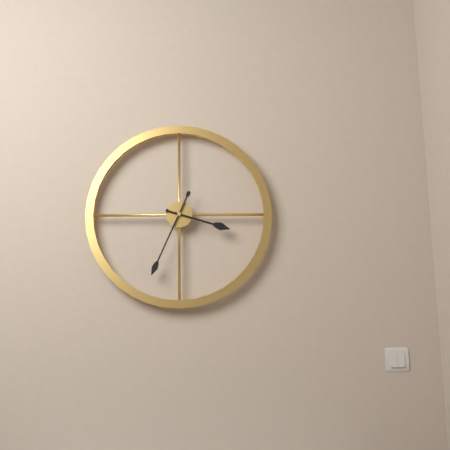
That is 3h34
